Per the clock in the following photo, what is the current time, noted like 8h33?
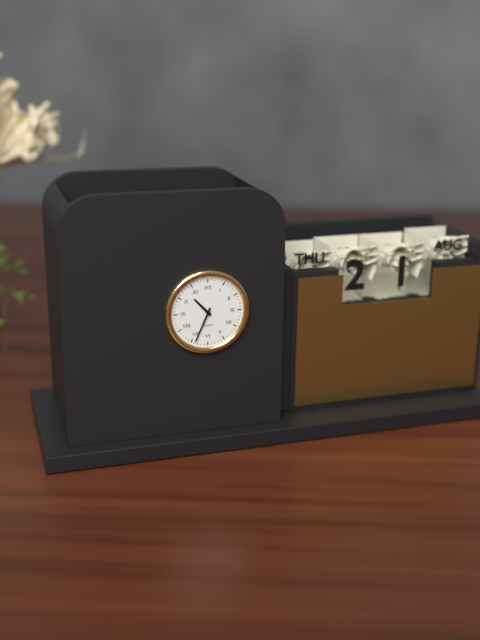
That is 10h34
